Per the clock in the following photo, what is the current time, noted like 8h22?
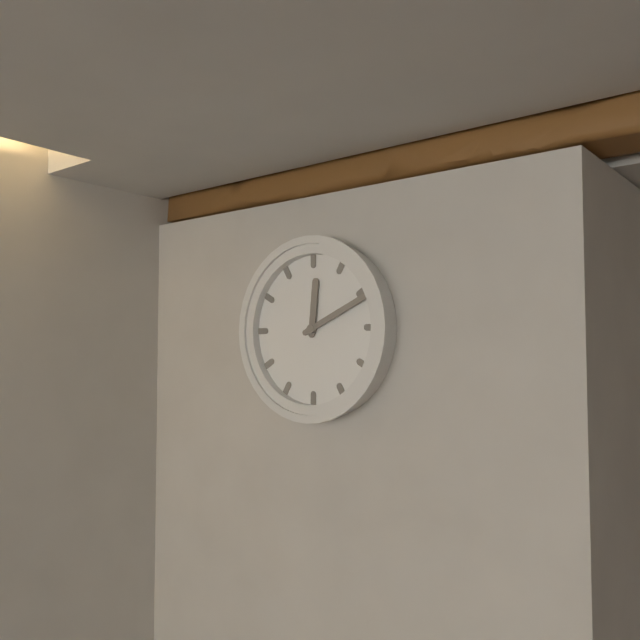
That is 12h11
